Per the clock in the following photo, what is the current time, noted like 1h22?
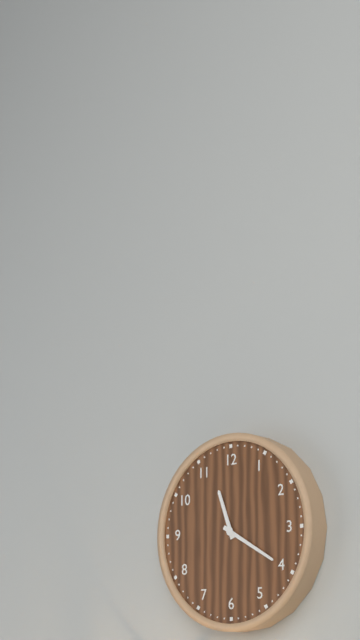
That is 11h20
